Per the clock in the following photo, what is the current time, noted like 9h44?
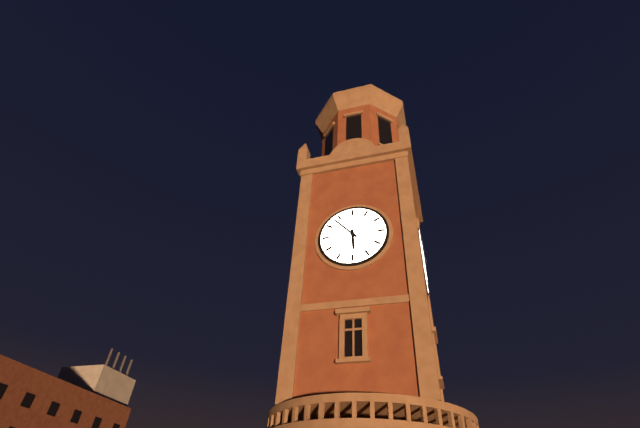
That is 5h53
